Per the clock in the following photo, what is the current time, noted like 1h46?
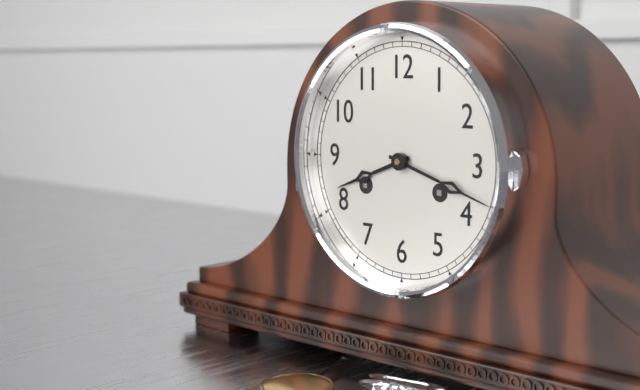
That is 8h18
